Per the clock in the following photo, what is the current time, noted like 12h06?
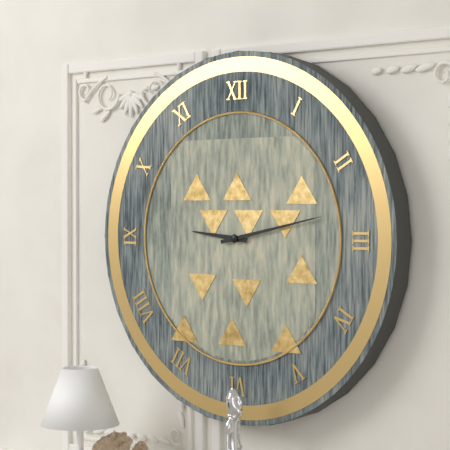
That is 9h13
